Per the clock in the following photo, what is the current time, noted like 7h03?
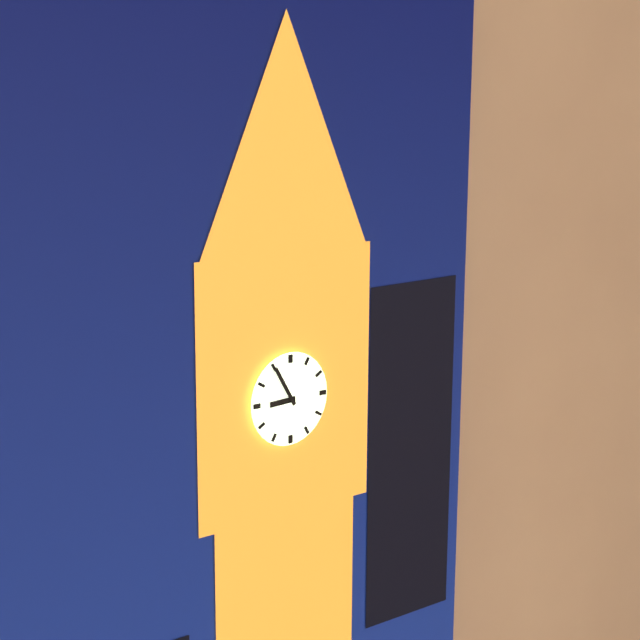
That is 8h55
